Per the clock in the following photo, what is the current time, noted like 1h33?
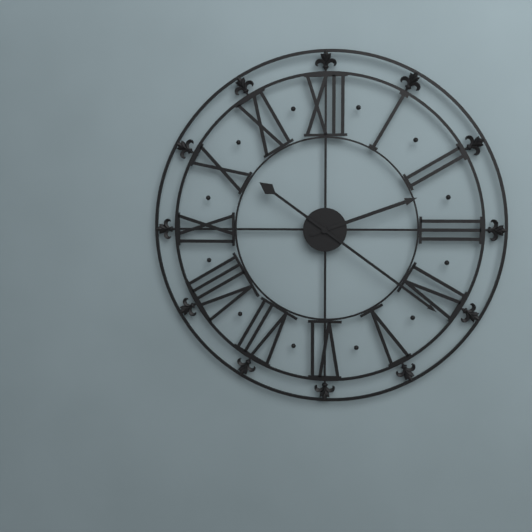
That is 2h21
